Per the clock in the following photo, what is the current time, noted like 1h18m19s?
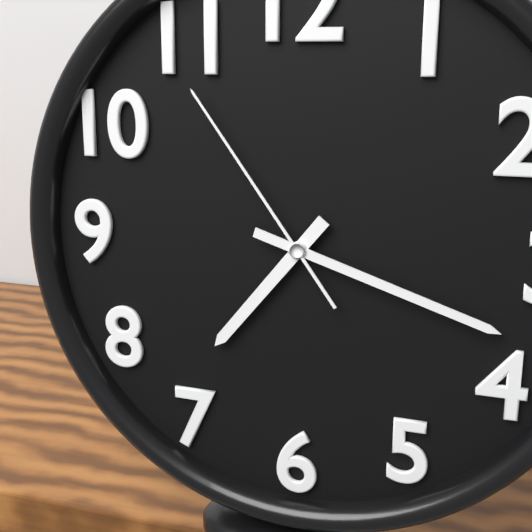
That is 7h18m54s
